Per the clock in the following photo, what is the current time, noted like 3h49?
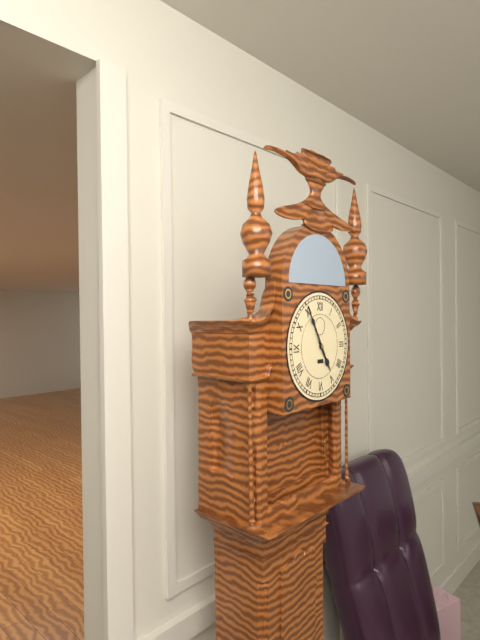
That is 4h55
